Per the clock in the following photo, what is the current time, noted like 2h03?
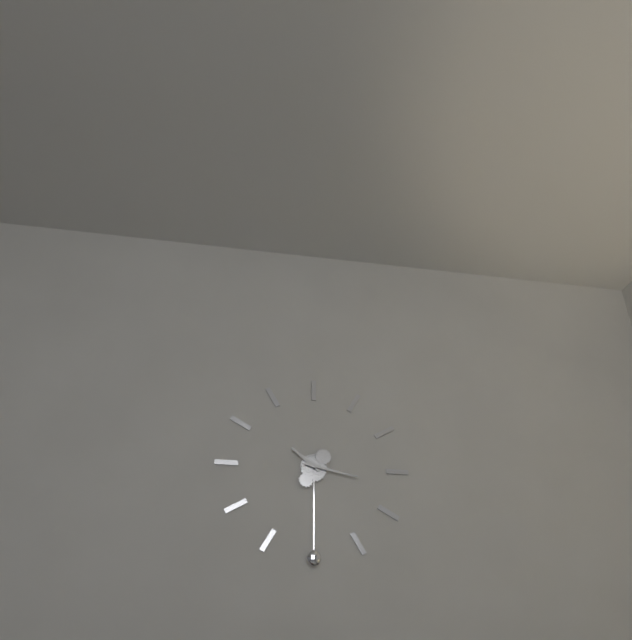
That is 10h17
